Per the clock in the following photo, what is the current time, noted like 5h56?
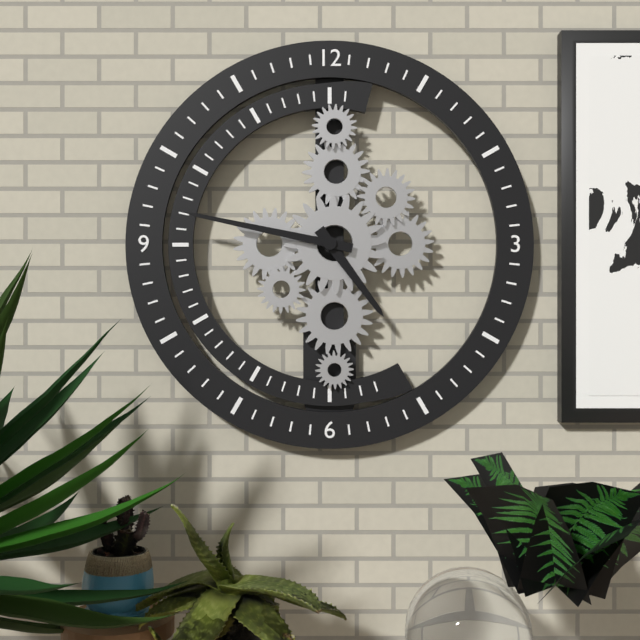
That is 4h47
